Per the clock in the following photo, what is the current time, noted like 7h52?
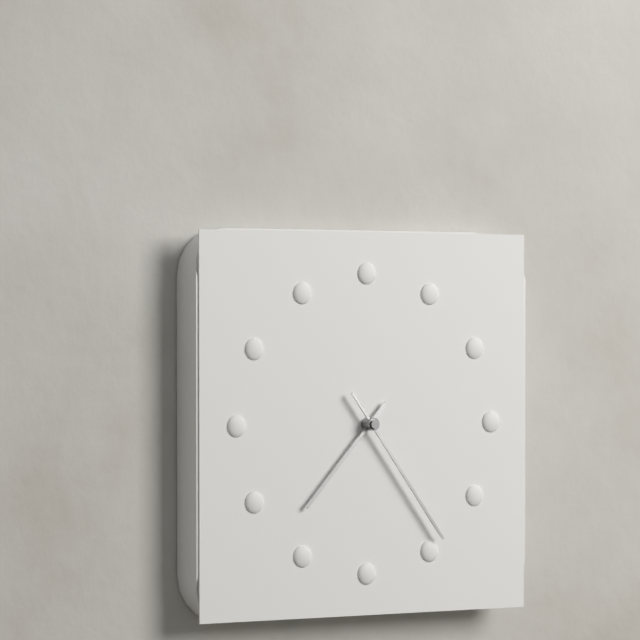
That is 7h24
